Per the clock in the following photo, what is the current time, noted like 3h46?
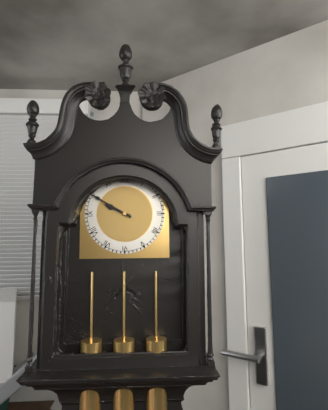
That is 9h50
